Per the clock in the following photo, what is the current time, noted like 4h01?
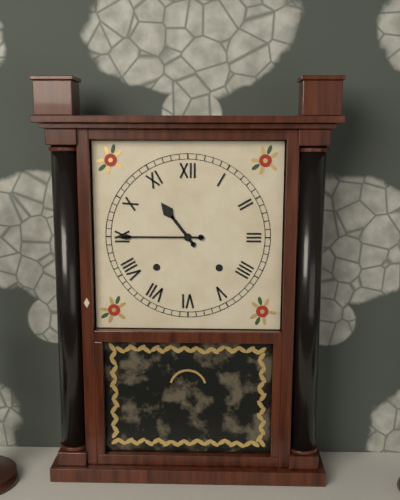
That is 10h45
